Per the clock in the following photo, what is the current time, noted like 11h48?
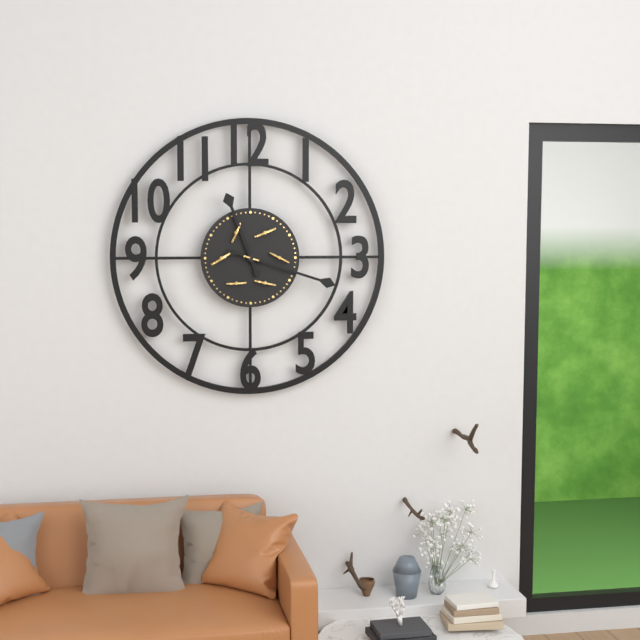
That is 11h18
